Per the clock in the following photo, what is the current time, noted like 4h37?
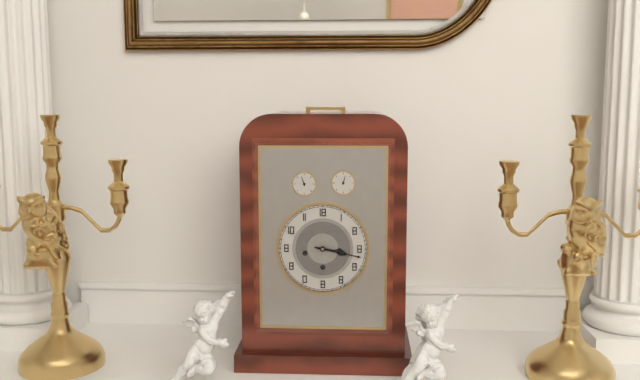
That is 3h17
